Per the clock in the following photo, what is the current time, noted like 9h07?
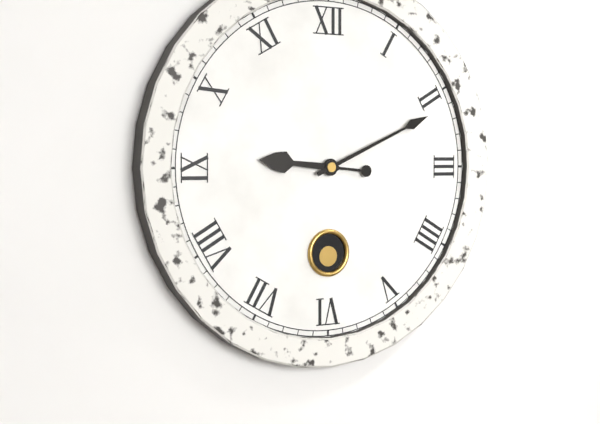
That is 9h11
